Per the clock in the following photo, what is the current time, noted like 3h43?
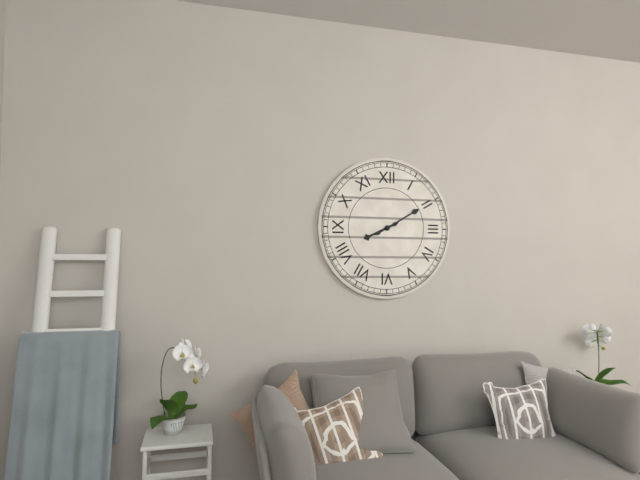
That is 8h10
